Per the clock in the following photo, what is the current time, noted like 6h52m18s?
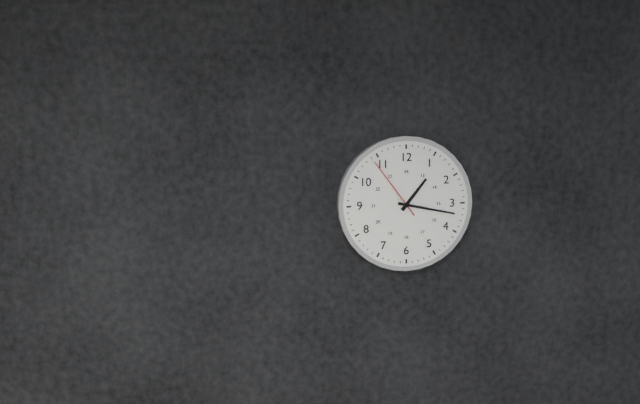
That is 1h17m54s
